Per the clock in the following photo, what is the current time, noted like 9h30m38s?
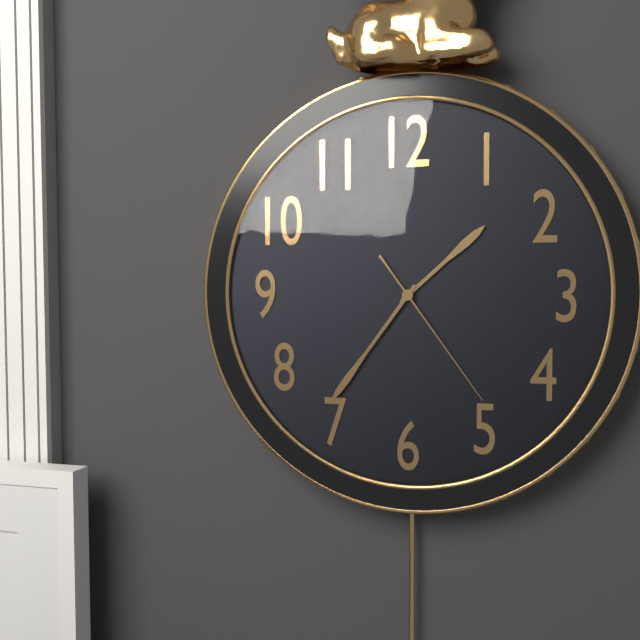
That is 1h36m24s
